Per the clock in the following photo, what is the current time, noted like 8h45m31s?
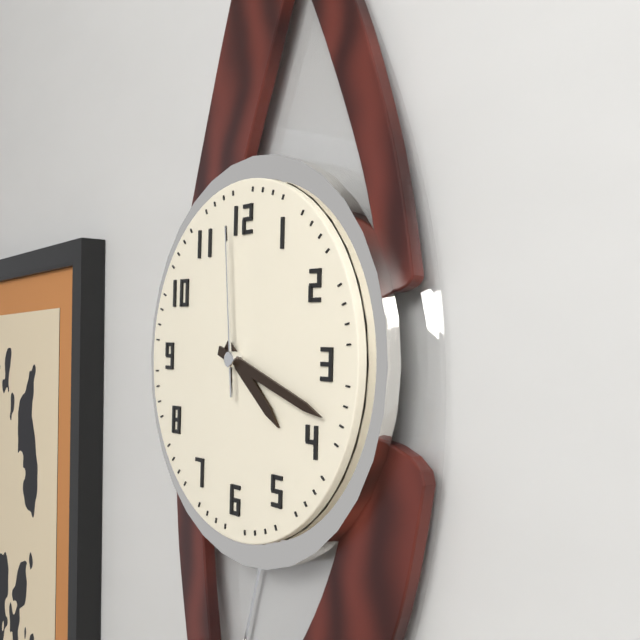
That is 4h18m59s
